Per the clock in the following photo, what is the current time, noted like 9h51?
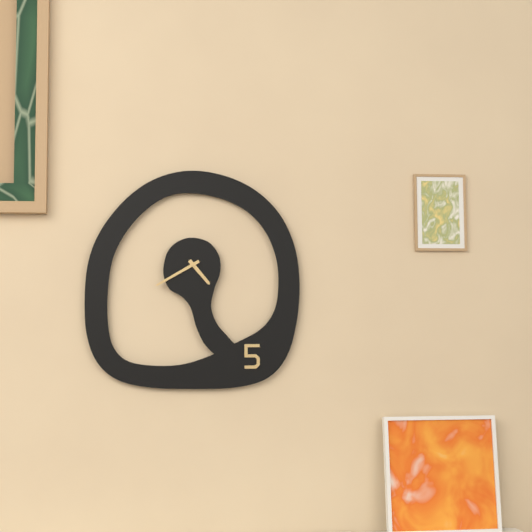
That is 4h40
